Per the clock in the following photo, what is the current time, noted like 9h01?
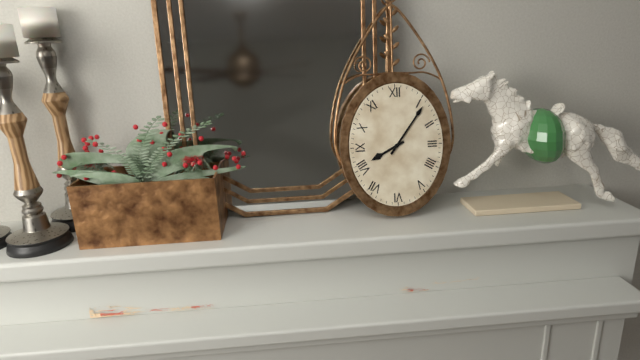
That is 8h06
